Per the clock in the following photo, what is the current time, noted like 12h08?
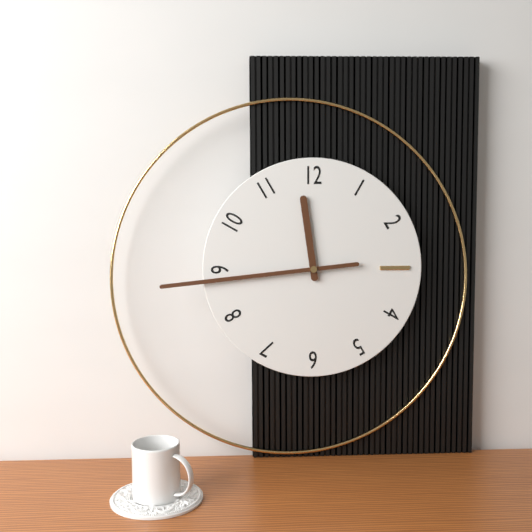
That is 11h44
